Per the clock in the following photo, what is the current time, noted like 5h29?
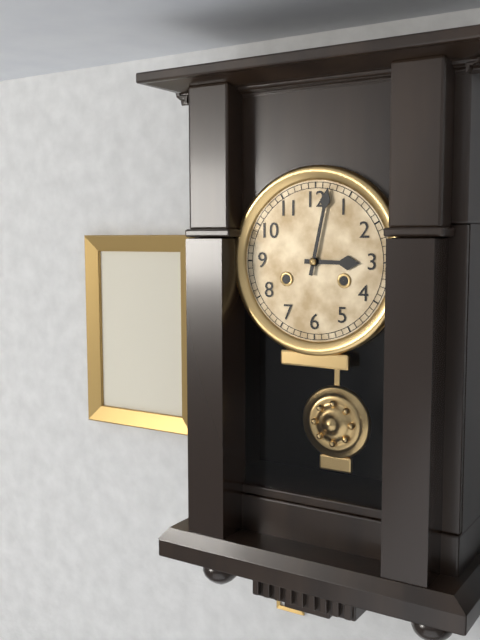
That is 3h02
